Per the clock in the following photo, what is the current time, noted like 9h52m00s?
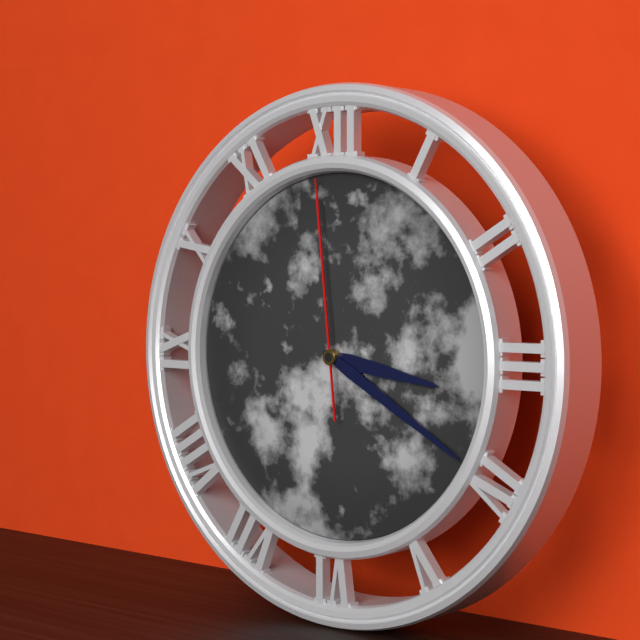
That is 3h20m59s
